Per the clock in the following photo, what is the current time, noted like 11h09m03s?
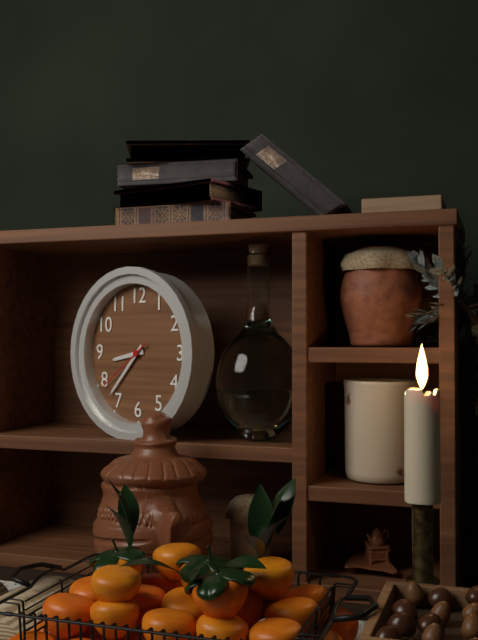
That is 8h37m39s
